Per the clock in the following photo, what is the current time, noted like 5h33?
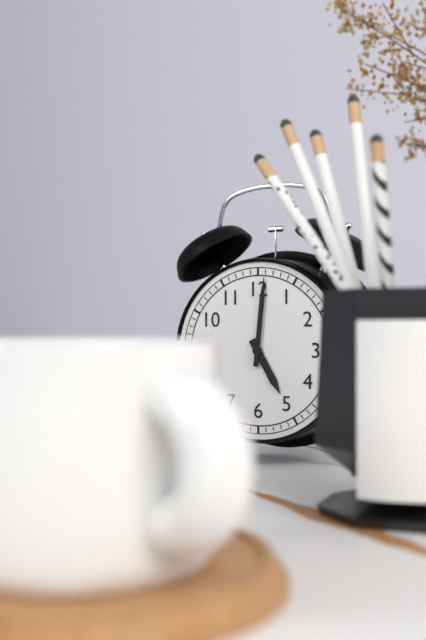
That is 5h01
